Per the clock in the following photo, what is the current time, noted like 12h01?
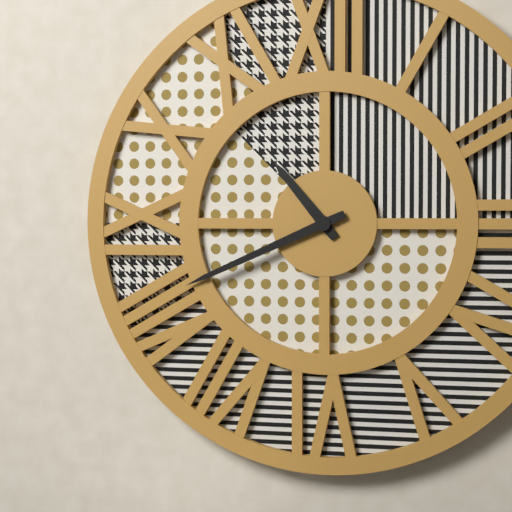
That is 10h41
